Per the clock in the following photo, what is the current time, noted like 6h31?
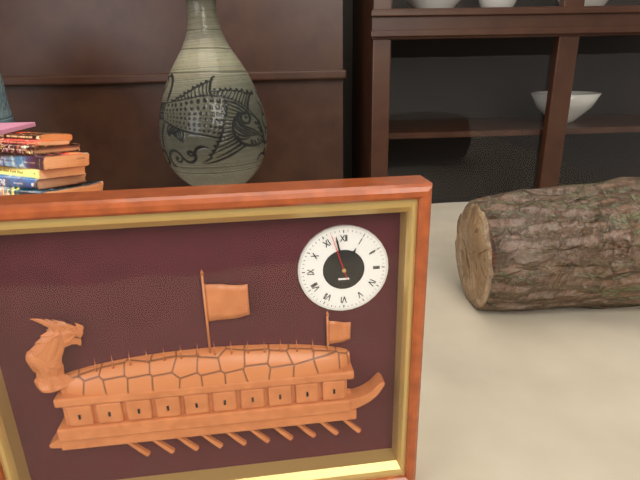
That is 12h58
